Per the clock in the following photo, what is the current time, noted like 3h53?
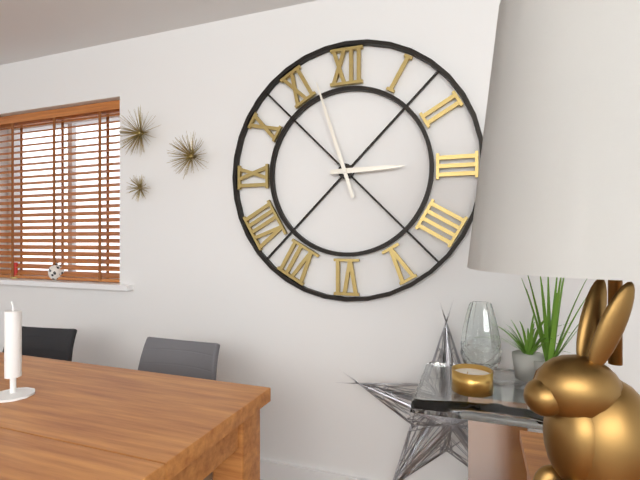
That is 2h57
